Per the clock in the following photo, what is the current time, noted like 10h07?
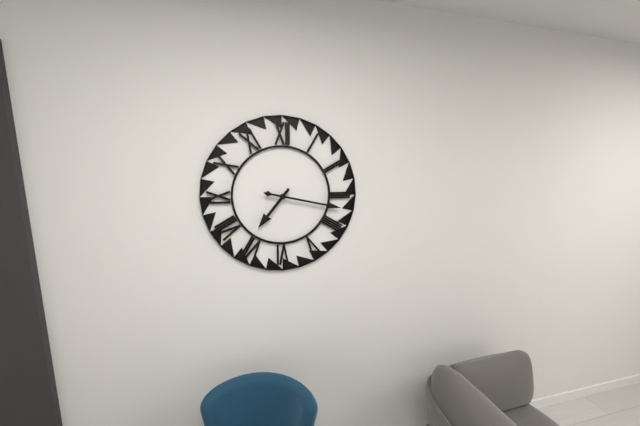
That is 7h17
